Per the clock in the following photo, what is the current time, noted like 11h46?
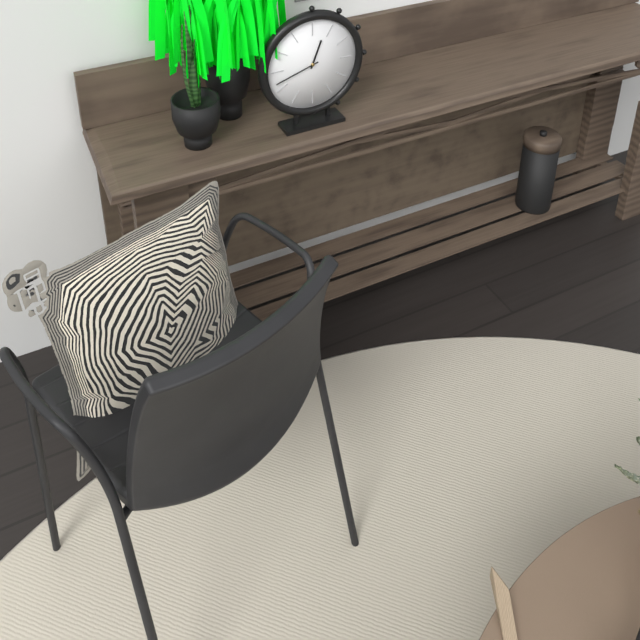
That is 12h42
